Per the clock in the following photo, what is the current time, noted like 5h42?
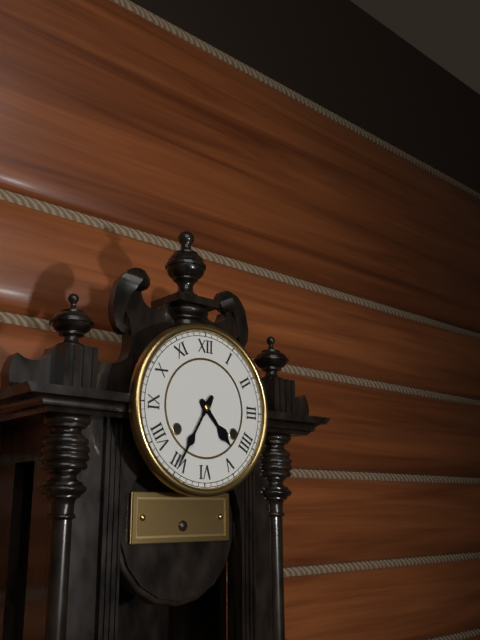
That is 4h35
